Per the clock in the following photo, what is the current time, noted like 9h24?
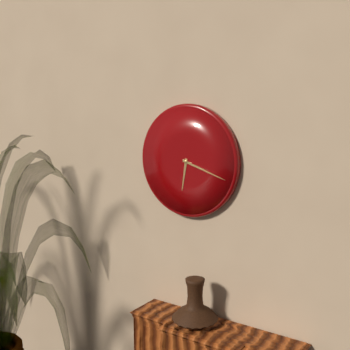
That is 6h18
